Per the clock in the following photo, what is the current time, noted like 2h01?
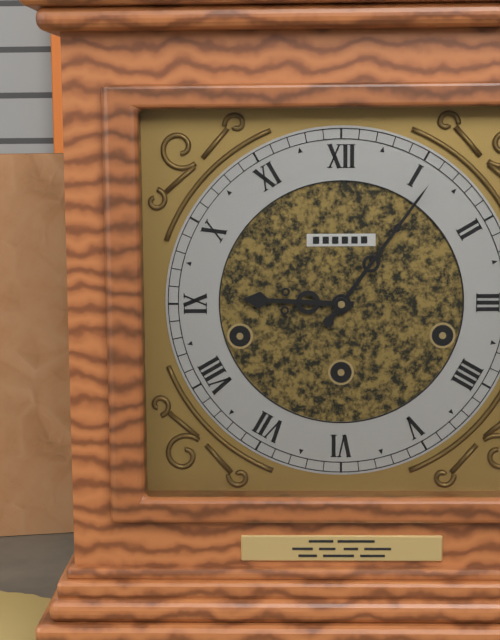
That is 9h06
